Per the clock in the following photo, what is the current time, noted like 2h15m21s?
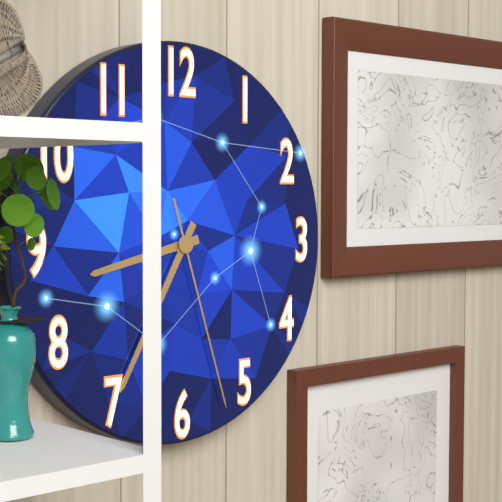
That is 8h35m27s
